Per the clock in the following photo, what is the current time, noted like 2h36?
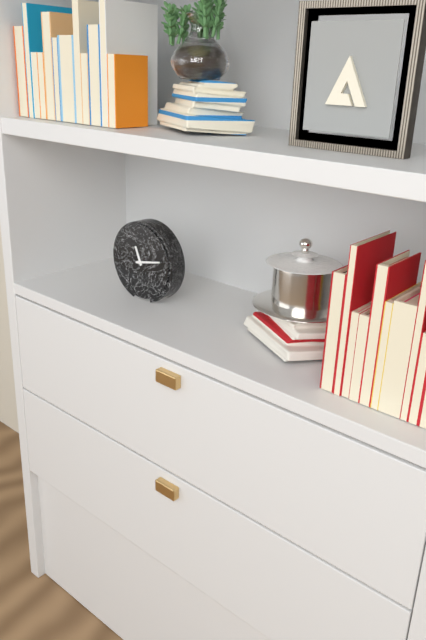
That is 11h13
